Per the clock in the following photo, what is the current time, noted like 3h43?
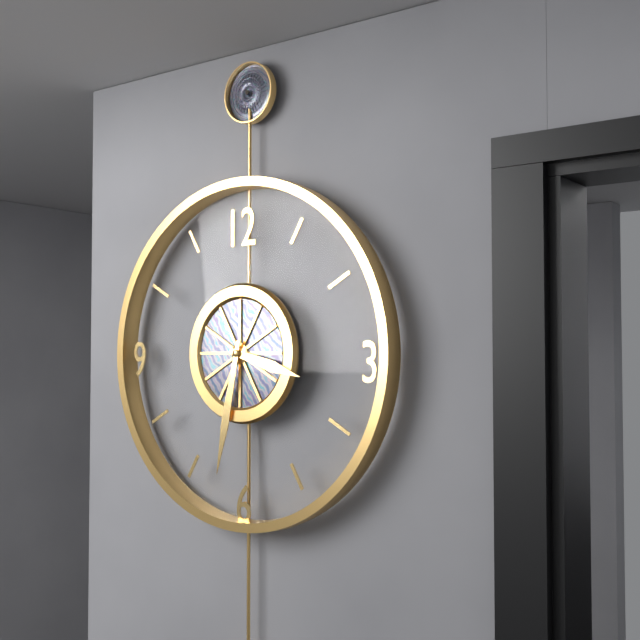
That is 3h32
